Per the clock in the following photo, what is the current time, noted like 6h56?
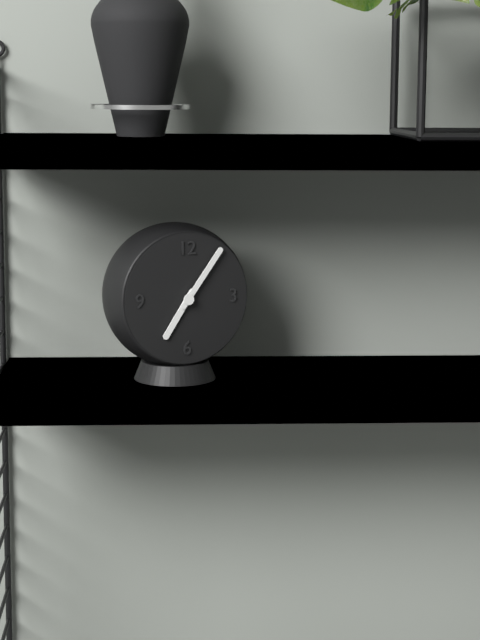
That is 7h06
